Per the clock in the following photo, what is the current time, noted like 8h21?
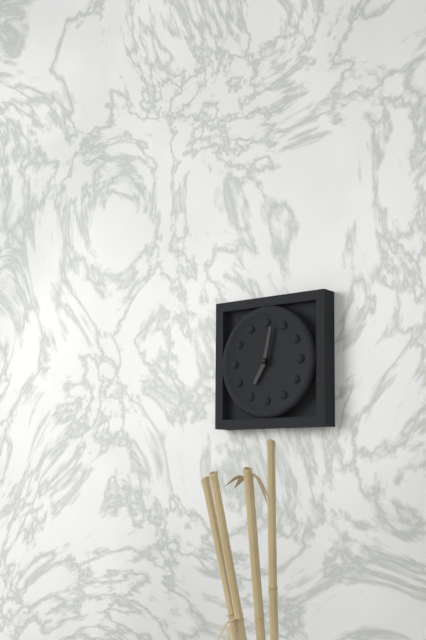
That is 7h02
